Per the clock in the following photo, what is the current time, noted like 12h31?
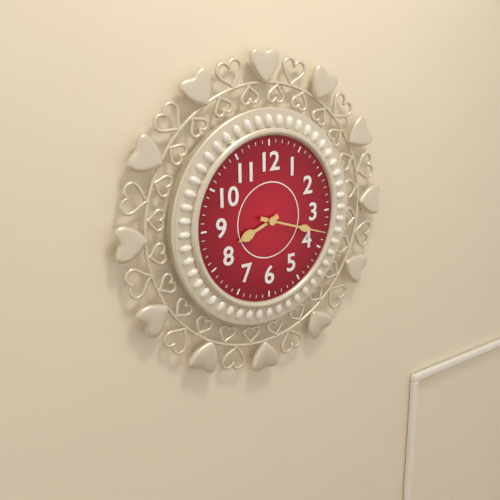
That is 8h18
